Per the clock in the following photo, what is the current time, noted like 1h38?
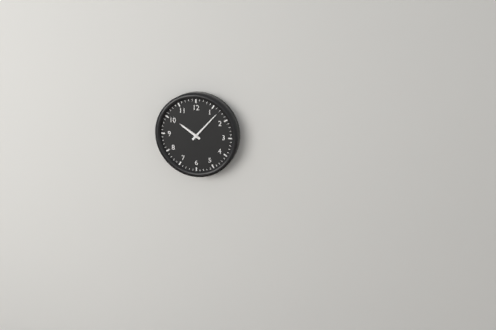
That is 10h07
